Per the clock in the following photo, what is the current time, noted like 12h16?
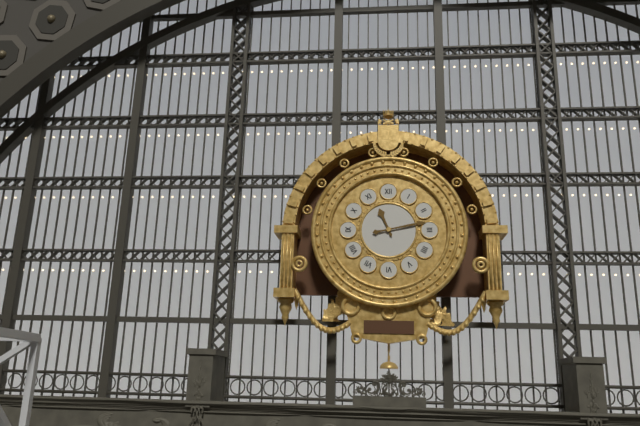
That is 11h13
